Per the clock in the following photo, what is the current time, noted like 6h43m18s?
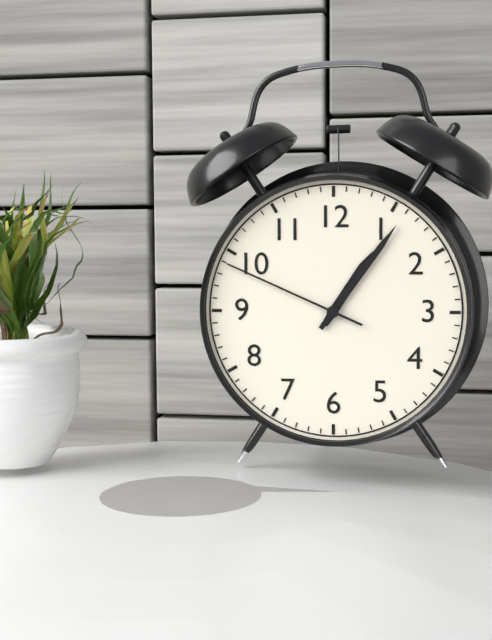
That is 1h06m49s
